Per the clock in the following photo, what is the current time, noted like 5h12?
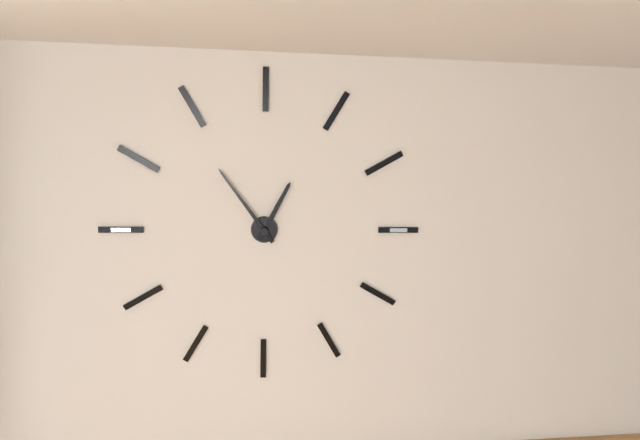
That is 12h54
